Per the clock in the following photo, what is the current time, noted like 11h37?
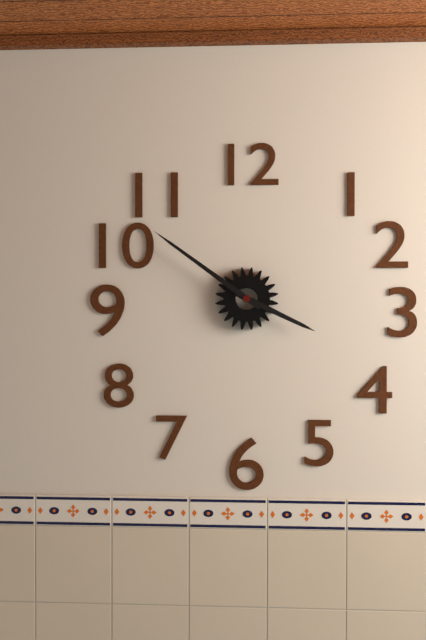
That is 3h51
